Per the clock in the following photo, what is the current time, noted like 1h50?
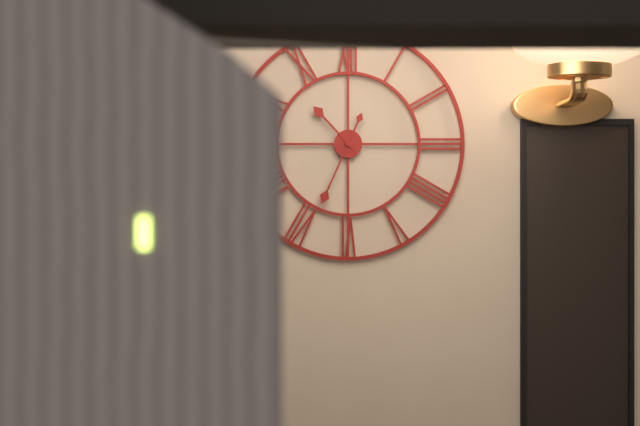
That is 10h34
